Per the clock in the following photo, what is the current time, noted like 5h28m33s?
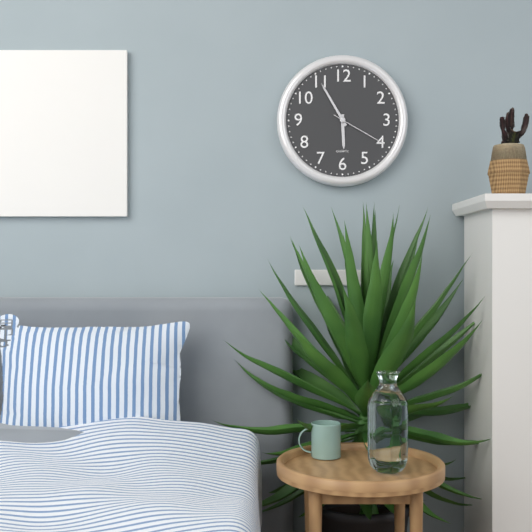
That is 5h55m20s
